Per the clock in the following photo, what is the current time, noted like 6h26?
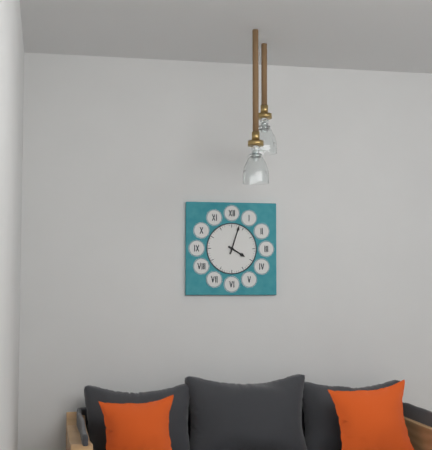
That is 4h03
